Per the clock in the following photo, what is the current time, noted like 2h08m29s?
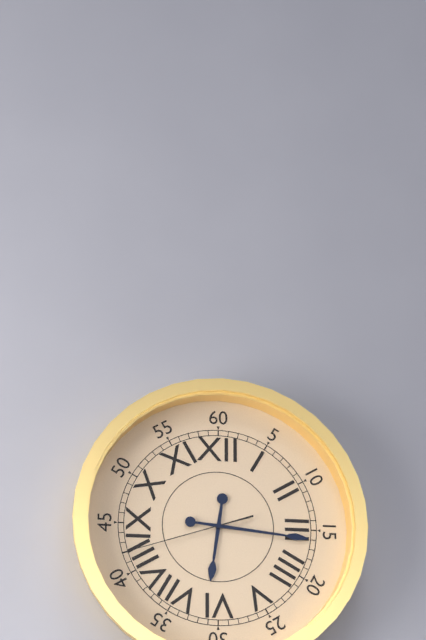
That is 6h16m42s
